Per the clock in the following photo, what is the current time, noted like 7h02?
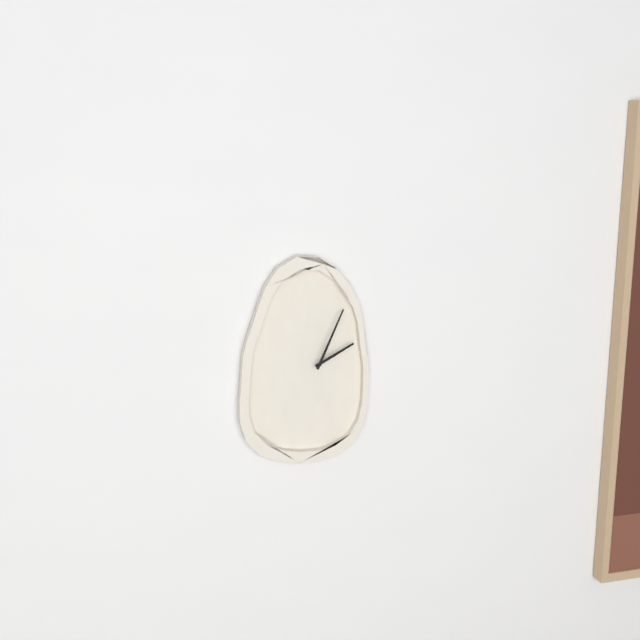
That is 2h04
